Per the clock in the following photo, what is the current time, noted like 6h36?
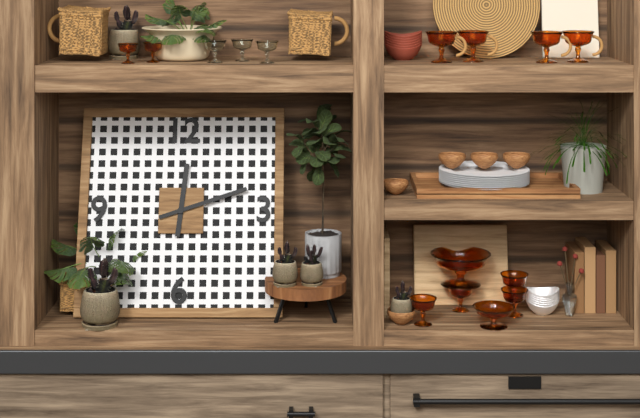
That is 12h12
